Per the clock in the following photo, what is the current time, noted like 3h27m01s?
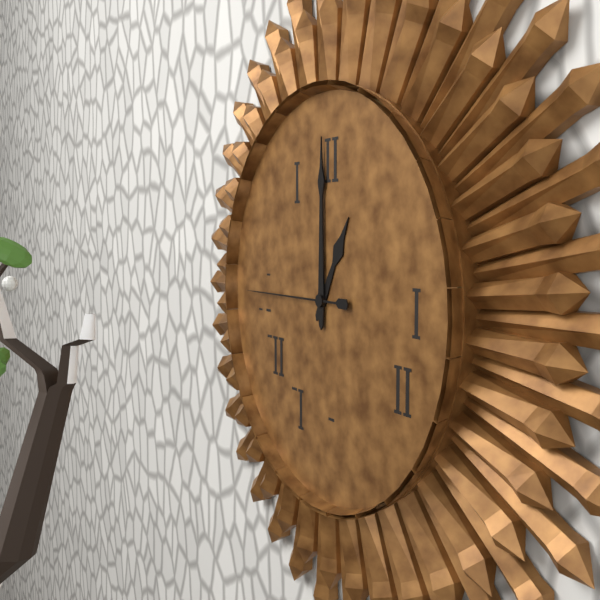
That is 1h00m45s
